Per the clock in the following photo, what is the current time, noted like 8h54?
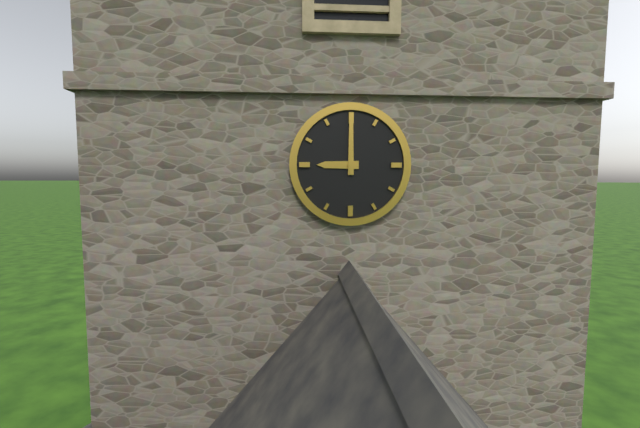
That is 9h00
